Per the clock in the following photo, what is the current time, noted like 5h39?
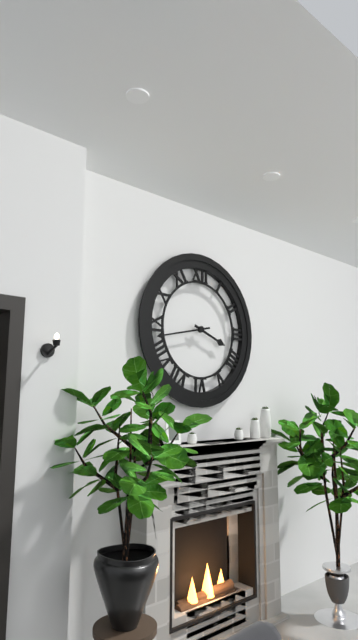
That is 3h43
